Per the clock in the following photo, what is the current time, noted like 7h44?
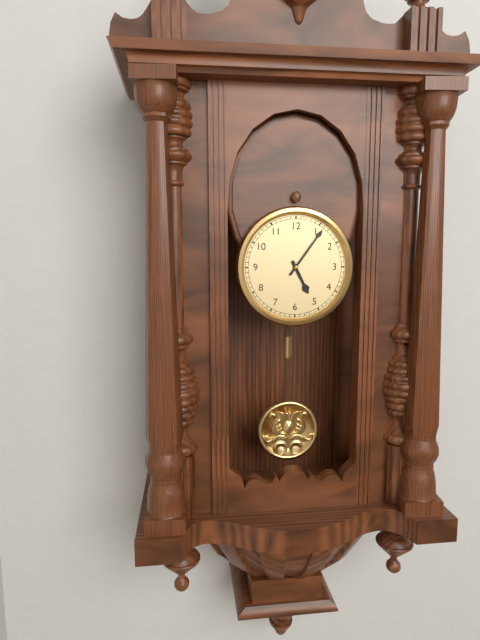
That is 5h06
